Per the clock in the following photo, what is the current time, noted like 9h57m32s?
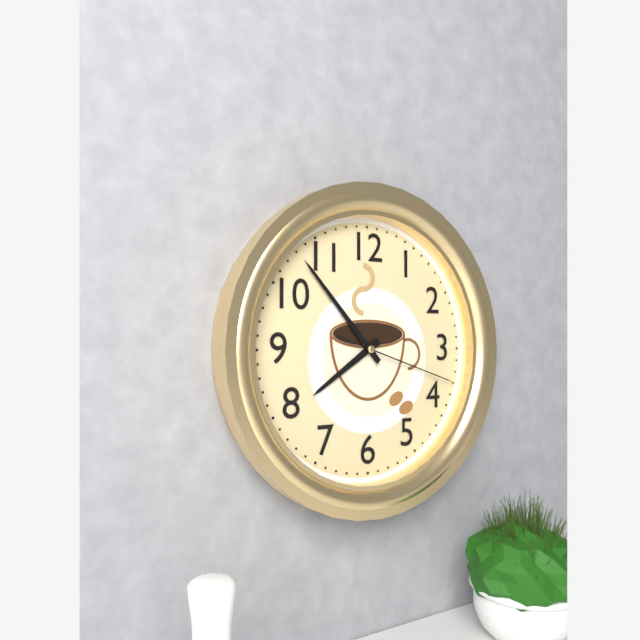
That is 7h53m18s
